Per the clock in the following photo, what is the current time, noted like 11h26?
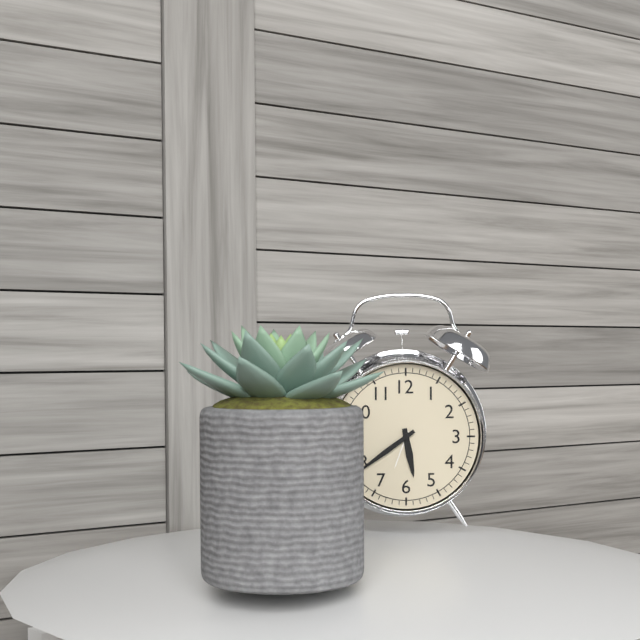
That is 5h39
